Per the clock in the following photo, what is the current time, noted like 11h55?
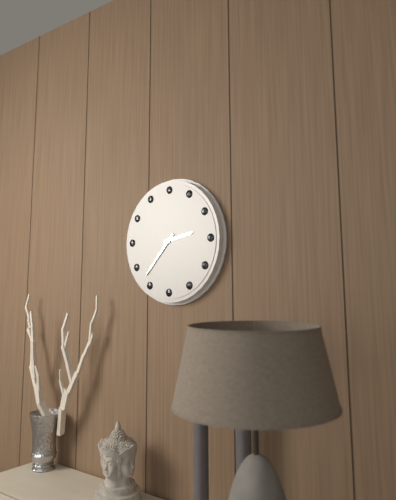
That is 2h37
